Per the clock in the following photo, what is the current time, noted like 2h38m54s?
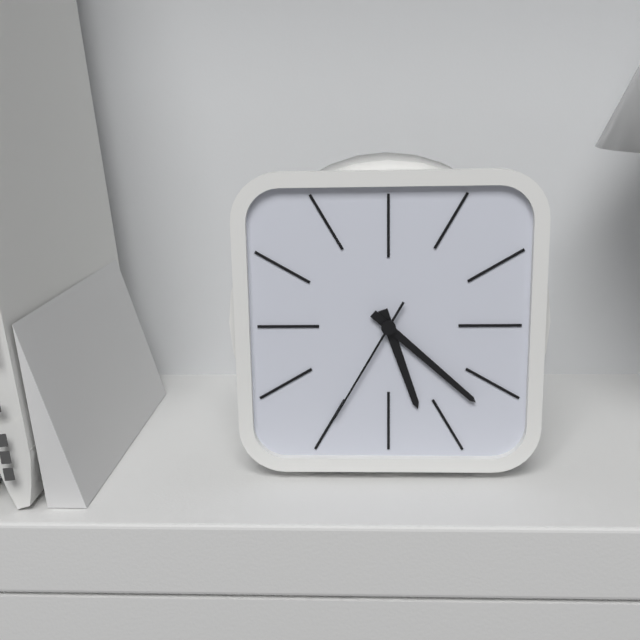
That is 5h22m35s
